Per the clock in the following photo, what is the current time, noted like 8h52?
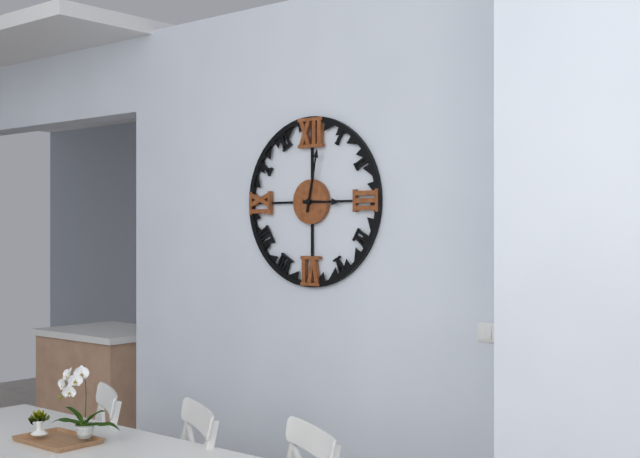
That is 3h02
